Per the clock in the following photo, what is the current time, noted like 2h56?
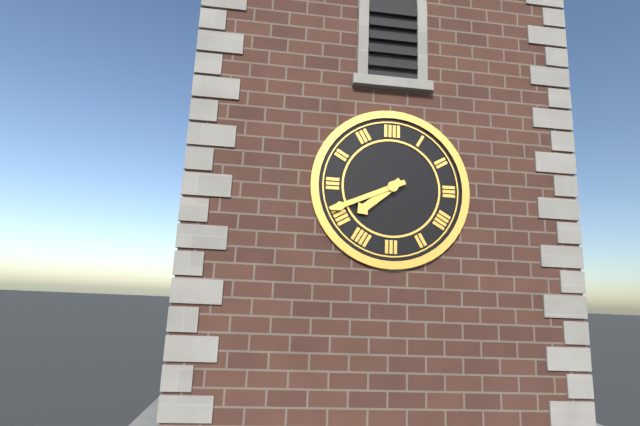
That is 7h41
